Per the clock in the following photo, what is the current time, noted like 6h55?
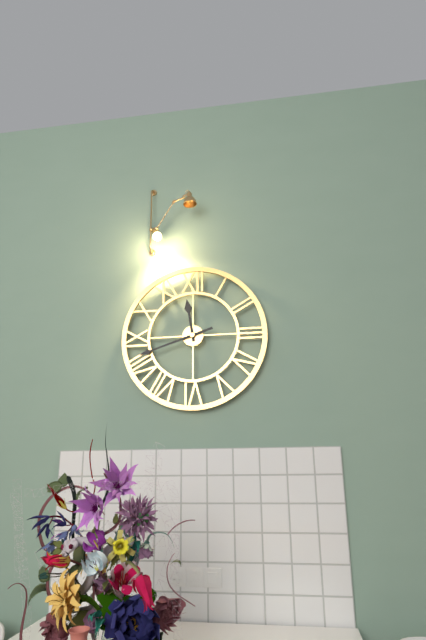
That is 11h42
